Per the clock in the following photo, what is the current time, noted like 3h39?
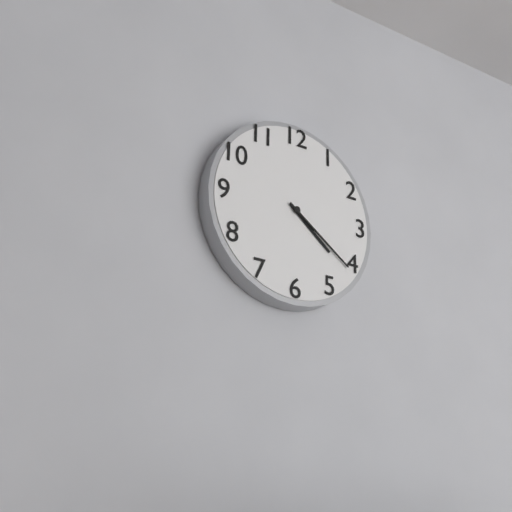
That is 4h21
